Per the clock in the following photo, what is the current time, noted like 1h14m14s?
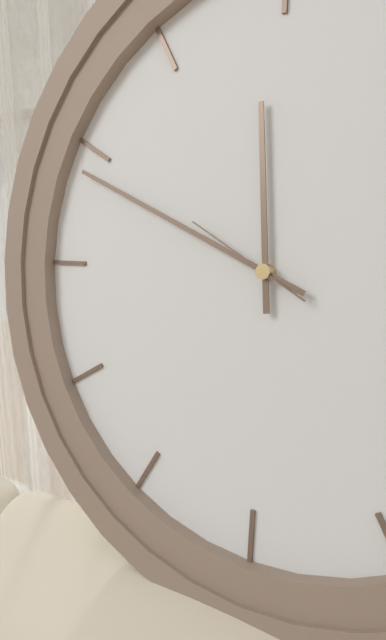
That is 11h49m50s
